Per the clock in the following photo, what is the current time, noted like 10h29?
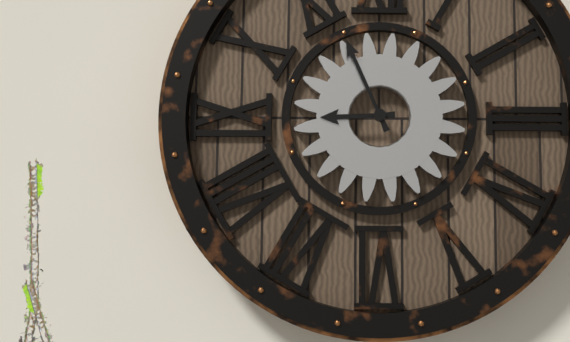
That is 8h56
